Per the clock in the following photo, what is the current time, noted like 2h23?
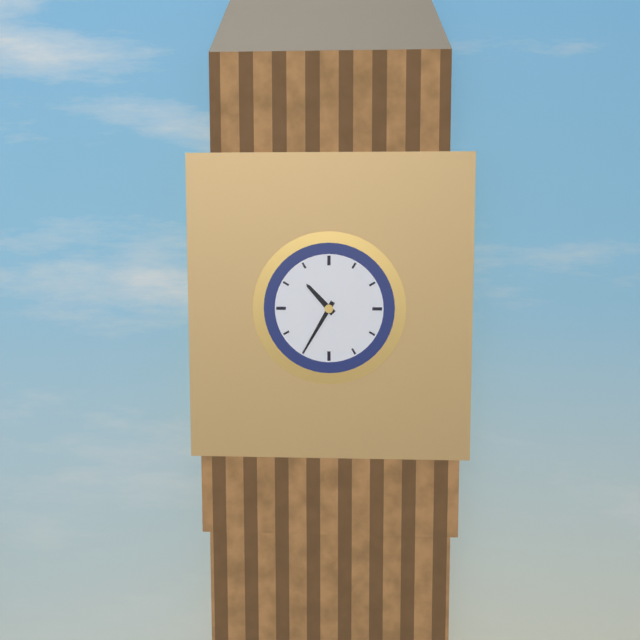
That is 10h35
